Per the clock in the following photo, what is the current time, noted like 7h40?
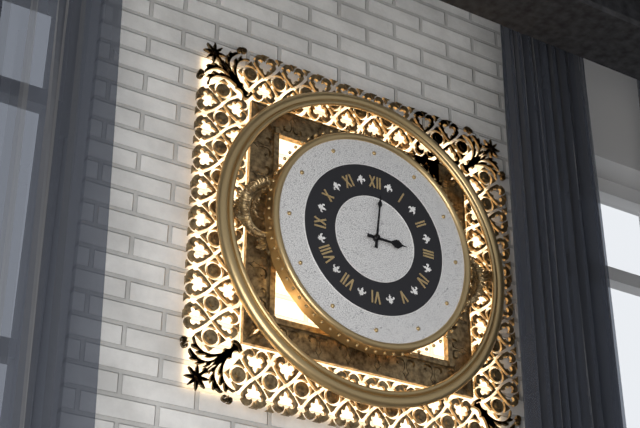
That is 3h01
